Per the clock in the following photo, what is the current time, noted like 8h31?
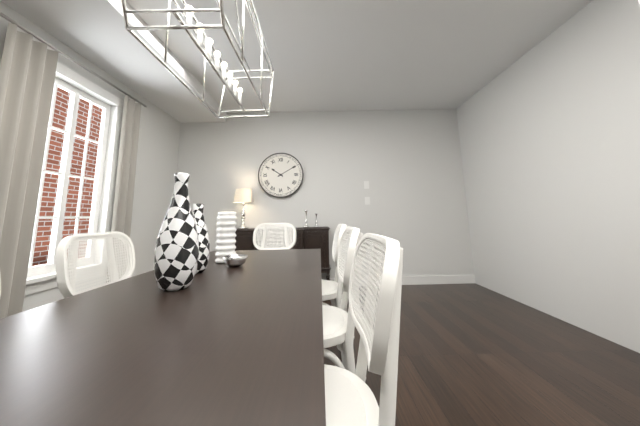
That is 10h10
